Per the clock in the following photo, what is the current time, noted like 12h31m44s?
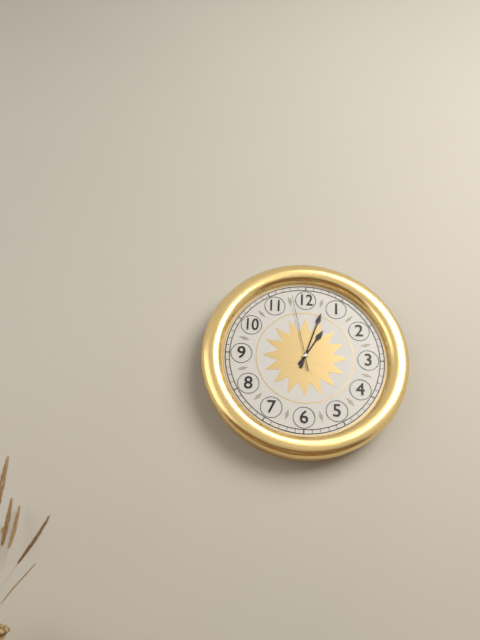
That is 1h03m58s
